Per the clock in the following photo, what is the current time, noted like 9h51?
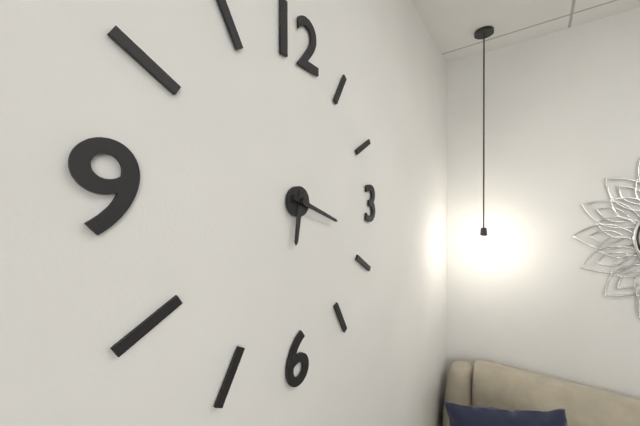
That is 6h18
